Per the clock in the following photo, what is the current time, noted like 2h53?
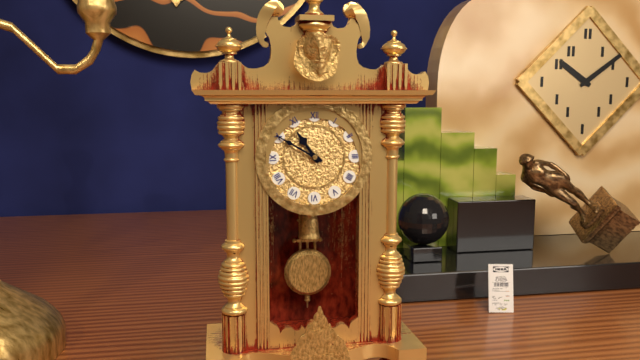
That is 10h50
